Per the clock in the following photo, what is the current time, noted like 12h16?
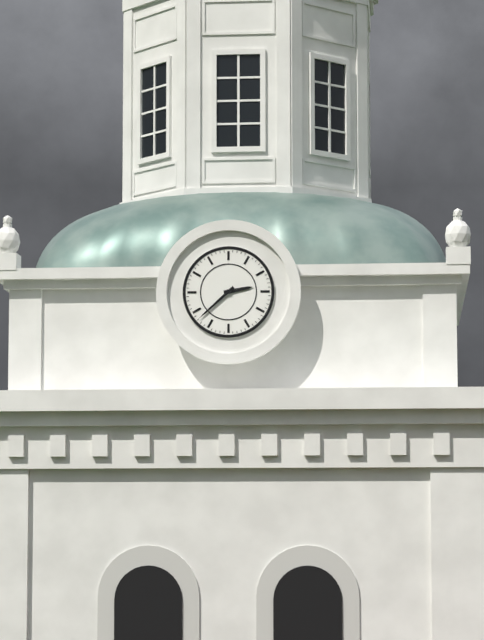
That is 2h38
